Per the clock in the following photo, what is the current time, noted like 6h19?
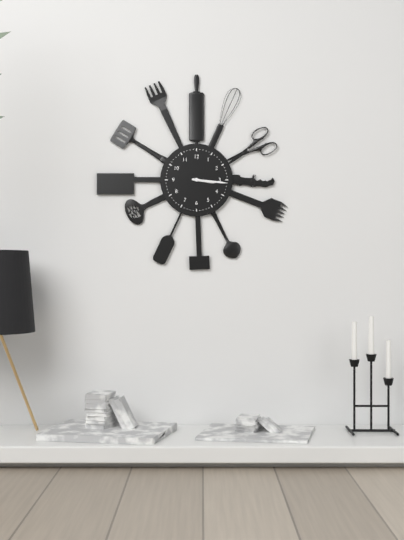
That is 3h16
